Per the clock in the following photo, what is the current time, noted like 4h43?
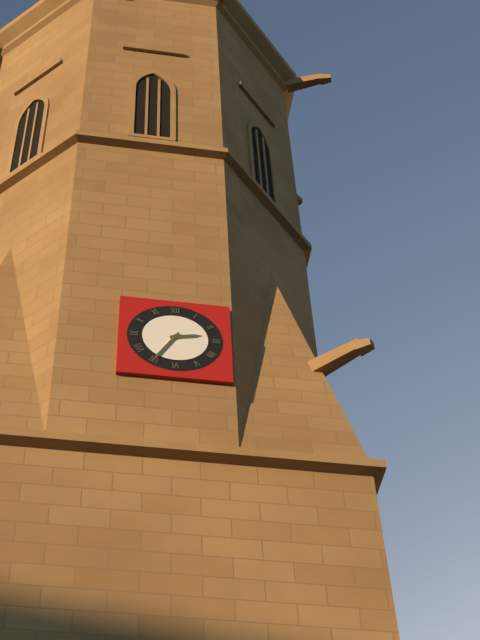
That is 2h35
